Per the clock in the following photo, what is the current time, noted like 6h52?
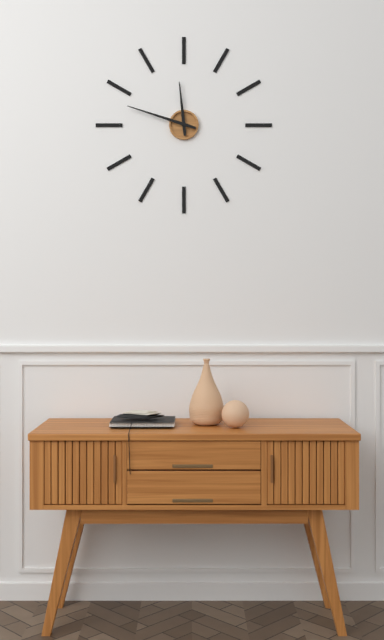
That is 11h48
